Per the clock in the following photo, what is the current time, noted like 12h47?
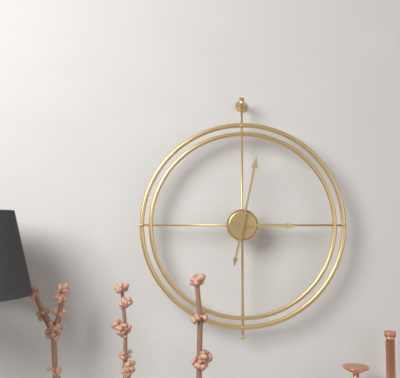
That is 3h02
